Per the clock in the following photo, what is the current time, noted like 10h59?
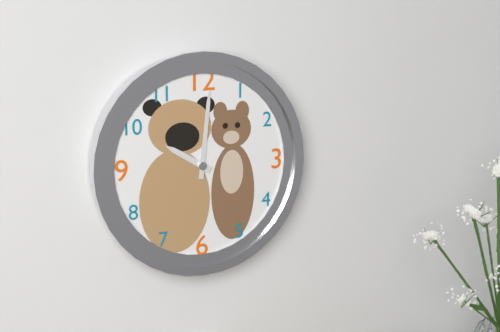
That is 10h01
